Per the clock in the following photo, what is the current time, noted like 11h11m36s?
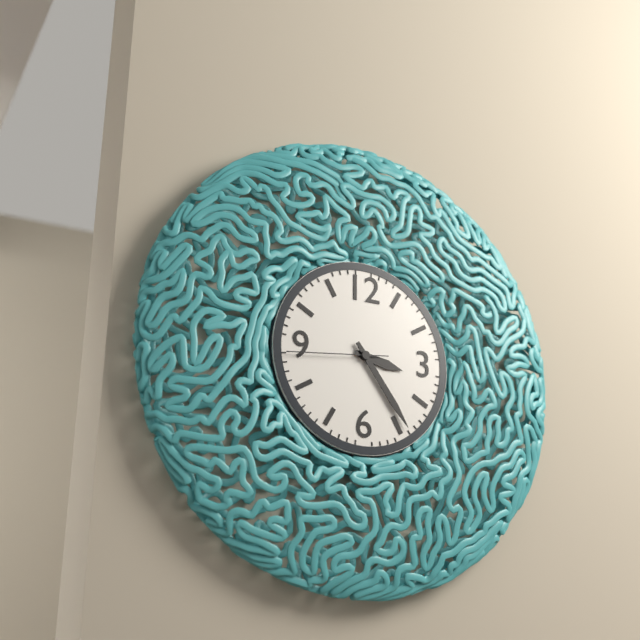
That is 3h24m44s
